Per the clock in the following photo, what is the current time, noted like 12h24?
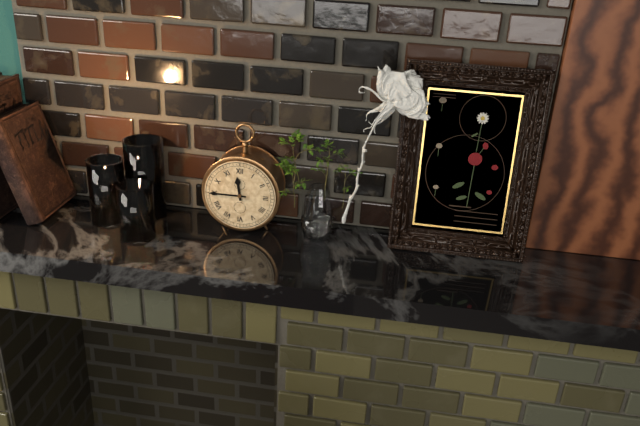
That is 11h45
